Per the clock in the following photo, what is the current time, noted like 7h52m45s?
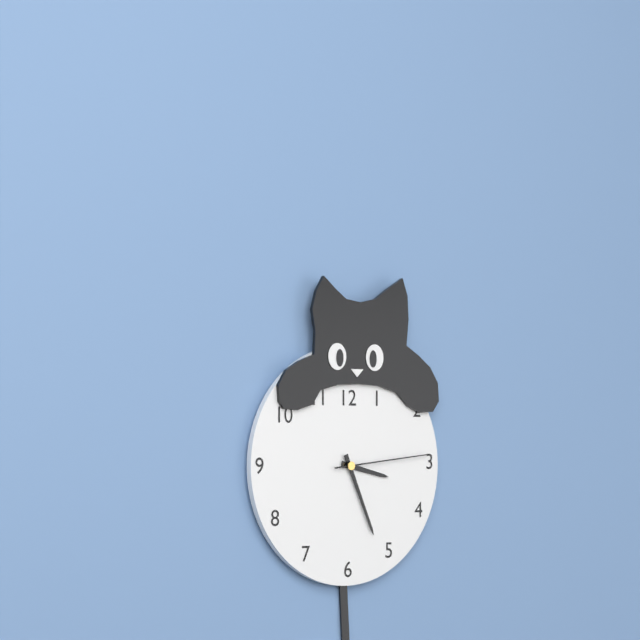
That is 3h26m14s
